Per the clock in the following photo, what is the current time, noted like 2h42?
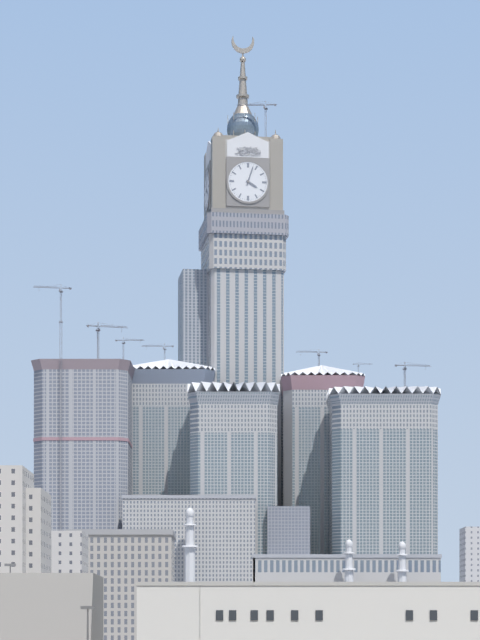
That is 4h03
